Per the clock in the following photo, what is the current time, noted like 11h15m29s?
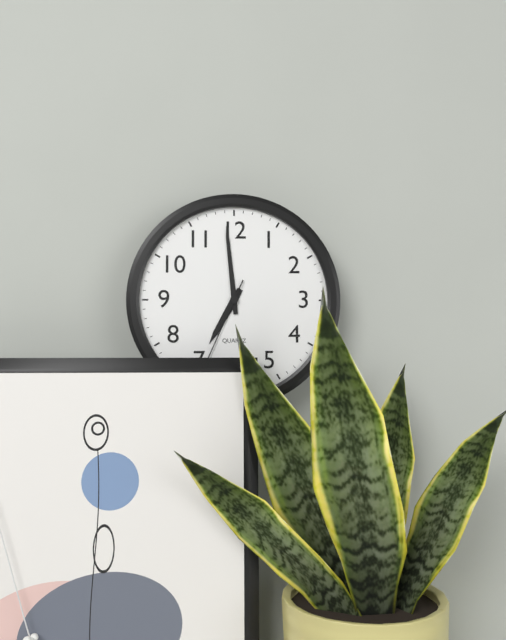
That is 6h59m34s
